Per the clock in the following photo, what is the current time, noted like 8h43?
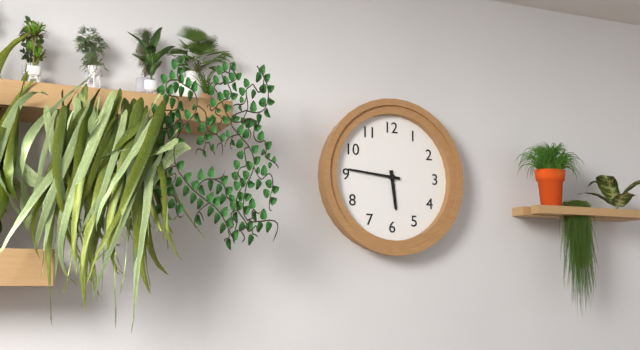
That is 5h46
